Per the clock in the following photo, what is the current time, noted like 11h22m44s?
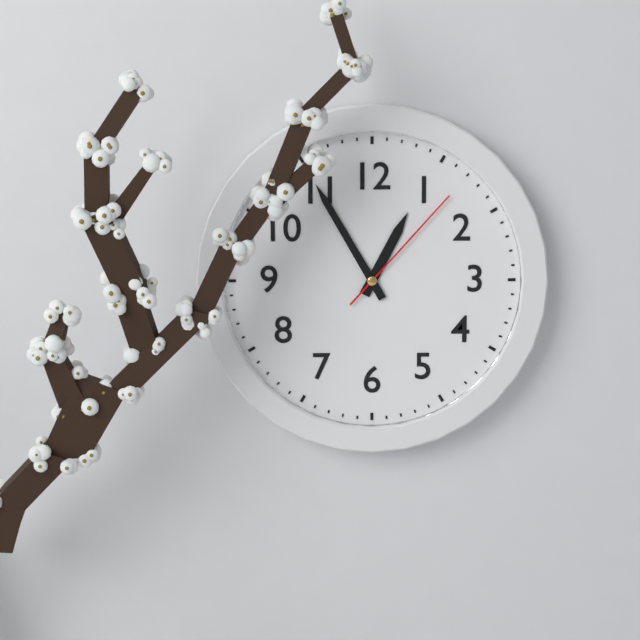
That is 12h55m07s
